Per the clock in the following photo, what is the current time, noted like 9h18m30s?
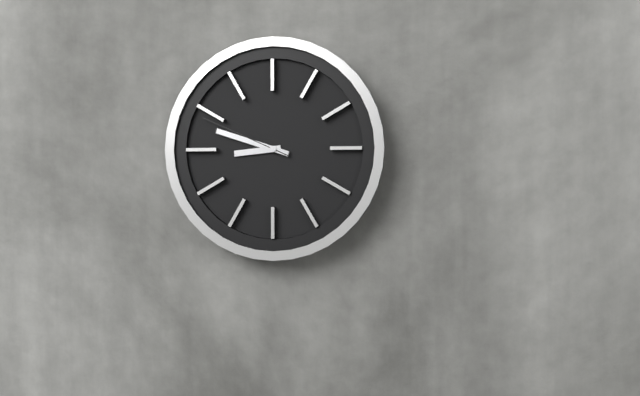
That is 8h48m49s
